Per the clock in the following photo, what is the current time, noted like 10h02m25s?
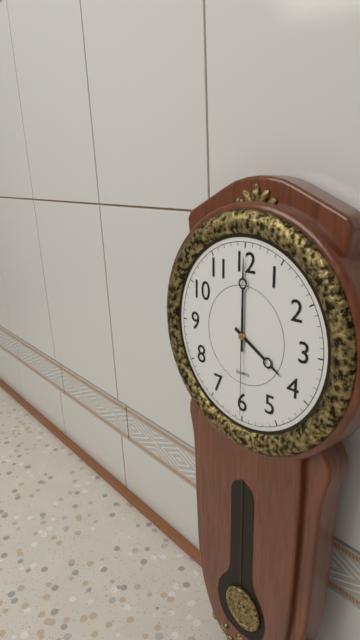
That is 4h00m30s
